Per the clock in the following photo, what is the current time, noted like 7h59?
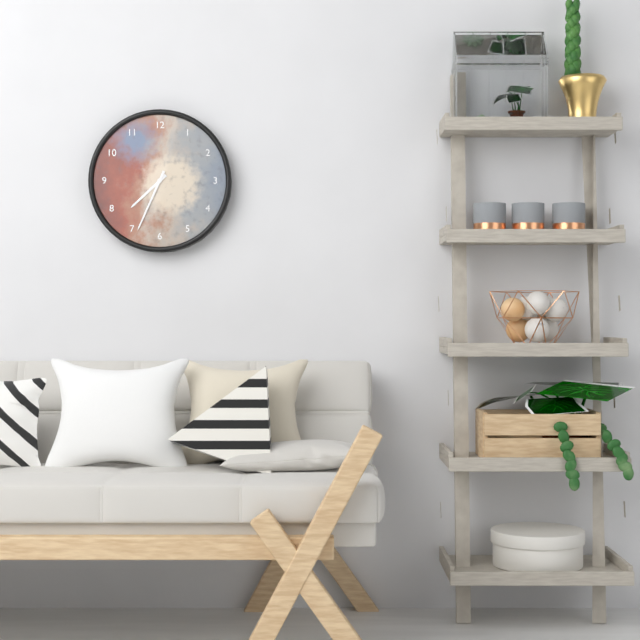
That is 7h34
